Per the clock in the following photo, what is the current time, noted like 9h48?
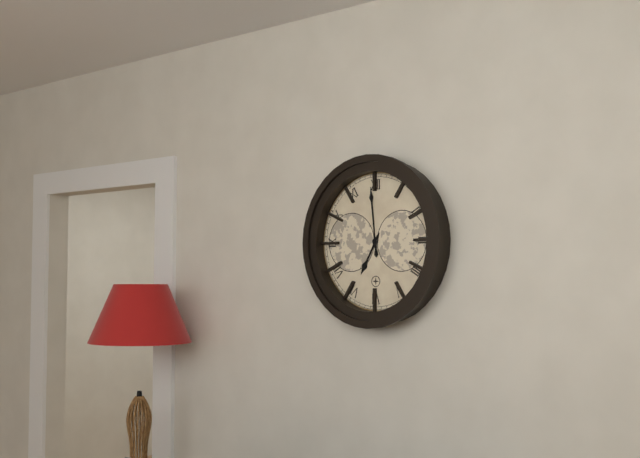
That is 6h59
